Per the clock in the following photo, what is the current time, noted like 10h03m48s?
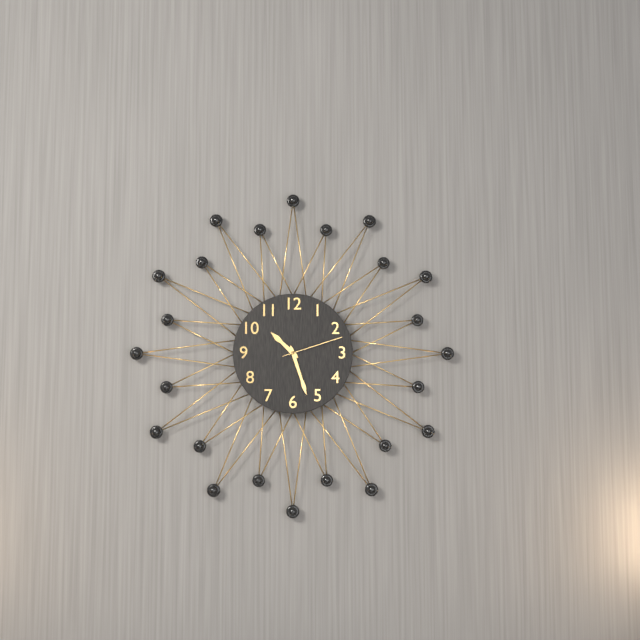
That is 10h27m12s
